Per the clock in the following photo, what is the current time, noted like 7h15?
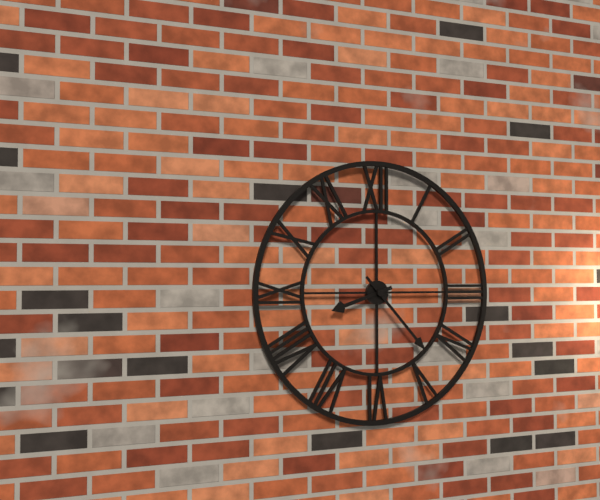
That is 8h23
